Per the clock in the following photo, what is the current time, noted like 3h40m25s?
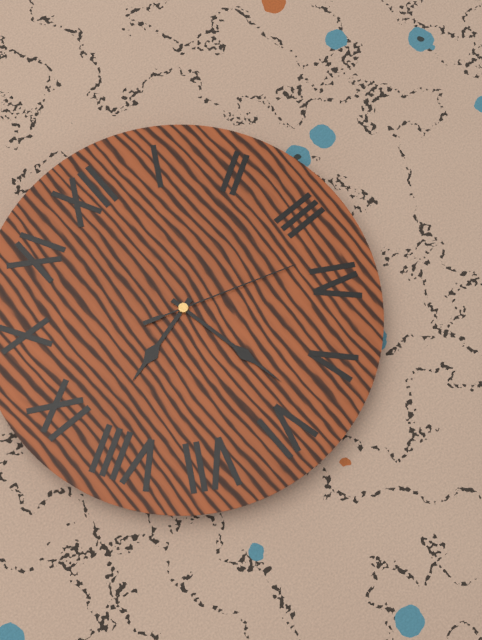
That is 8h28m18s
